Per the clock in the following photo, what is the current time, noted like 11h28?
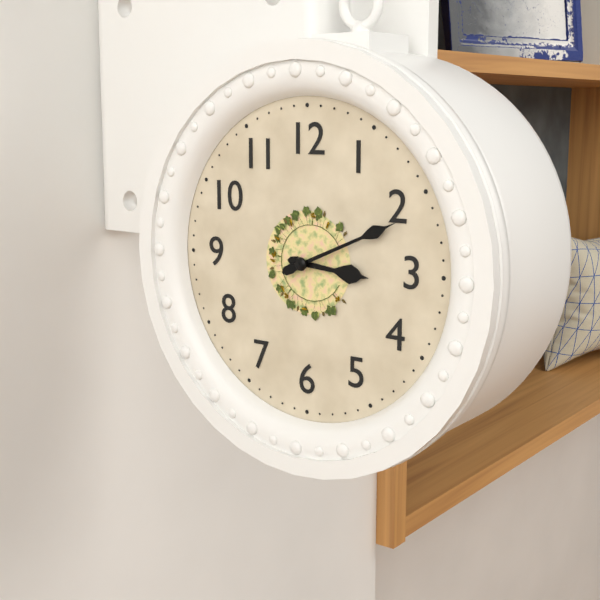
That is 3h11
